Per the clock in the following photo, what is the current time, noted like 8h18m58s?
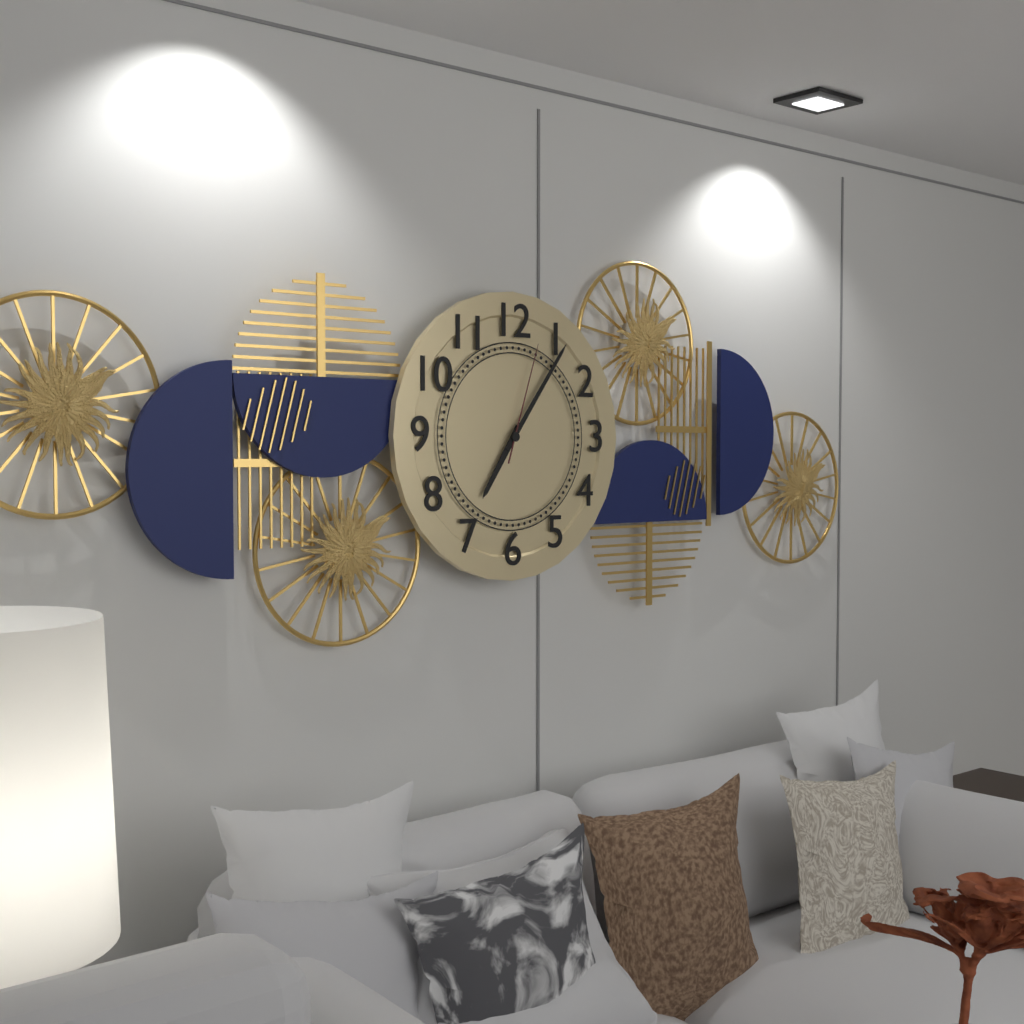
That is 7h06m03s
